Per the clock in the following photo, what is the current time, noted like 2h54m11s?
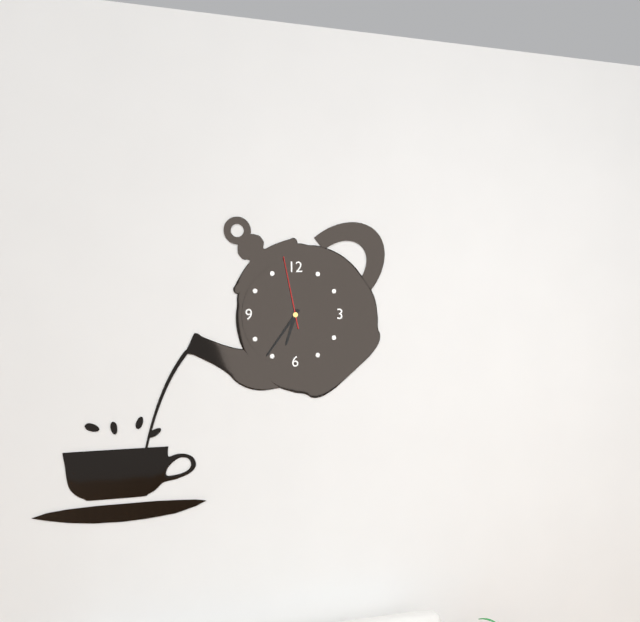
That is 6h36m58s
